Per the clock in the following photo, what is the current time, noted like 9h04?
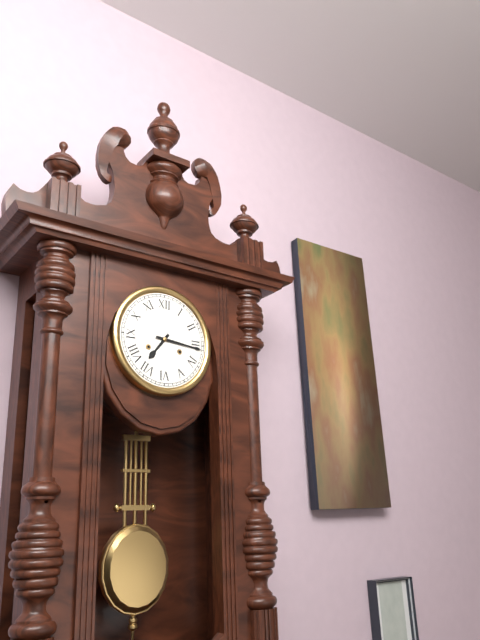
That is 7h16
